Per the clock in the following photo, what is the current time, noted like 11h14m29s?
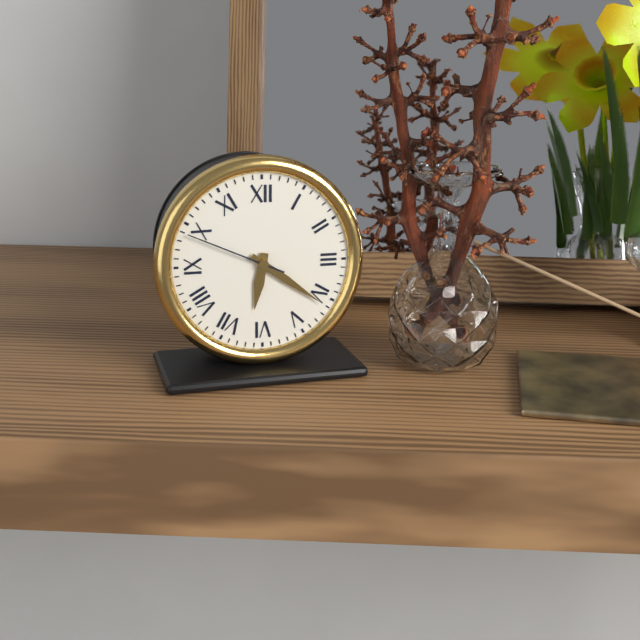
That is 6h21m49s
